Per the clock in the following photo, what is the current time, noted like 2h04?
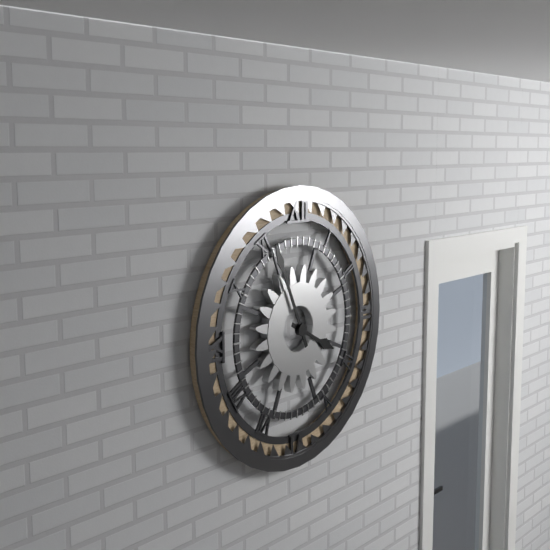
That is 3h56
